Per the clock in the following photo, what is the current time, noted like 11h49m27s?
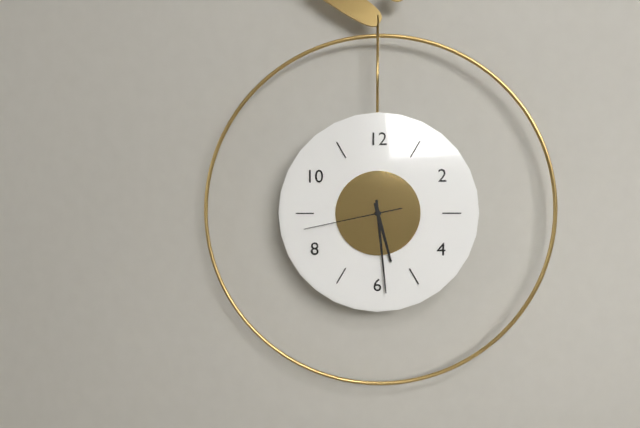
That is 5h29m43s
